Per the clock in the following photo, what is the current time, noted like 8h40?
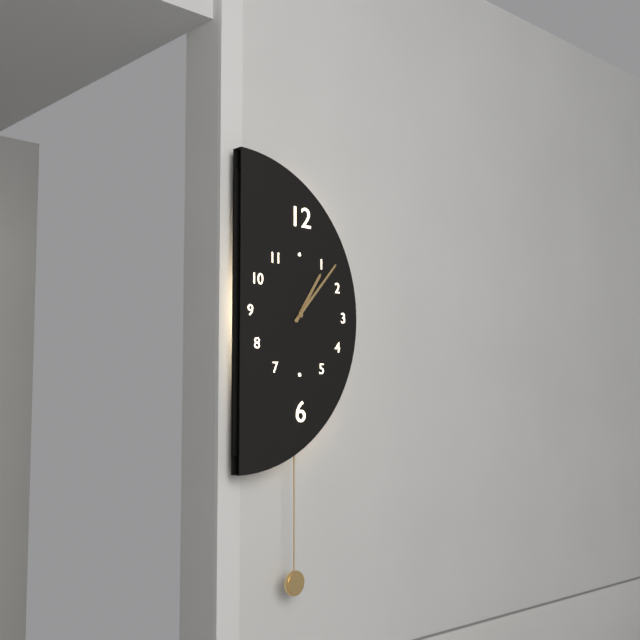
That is 1h07
